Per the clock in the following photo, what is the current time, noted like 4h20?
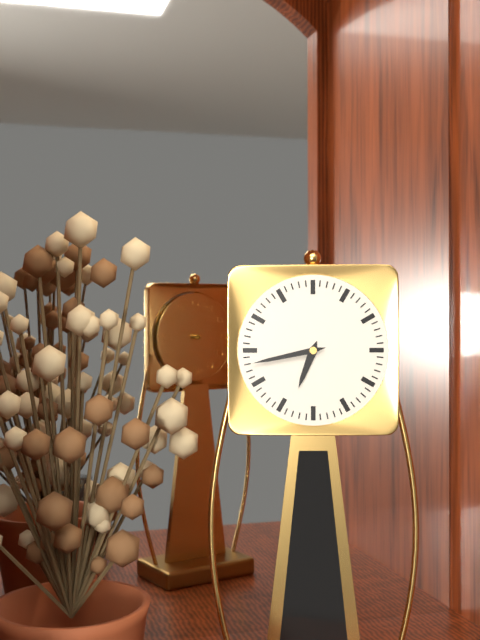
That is 6h43
